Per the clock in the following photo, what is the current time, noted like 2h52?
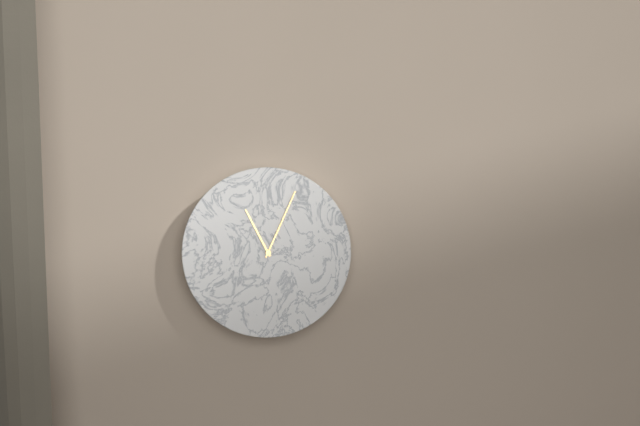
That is 11h04
